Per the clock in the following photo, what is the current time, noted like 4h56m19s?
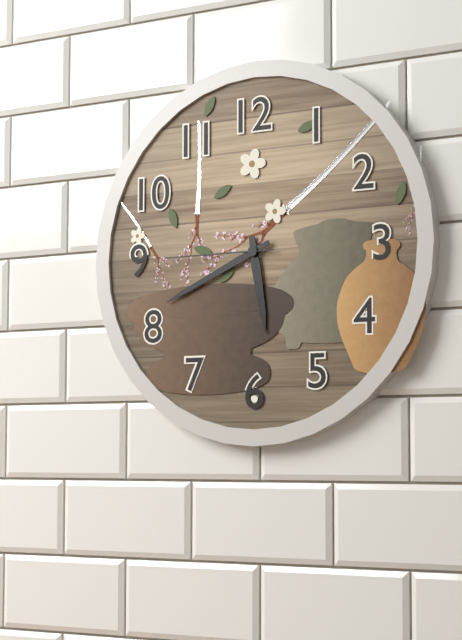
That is 5h41m45s
